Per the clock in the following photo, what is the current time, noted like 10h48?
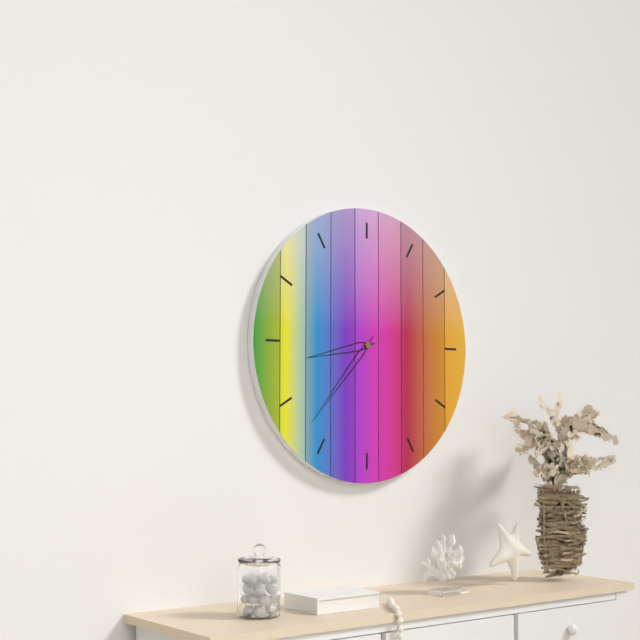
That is 8h37
